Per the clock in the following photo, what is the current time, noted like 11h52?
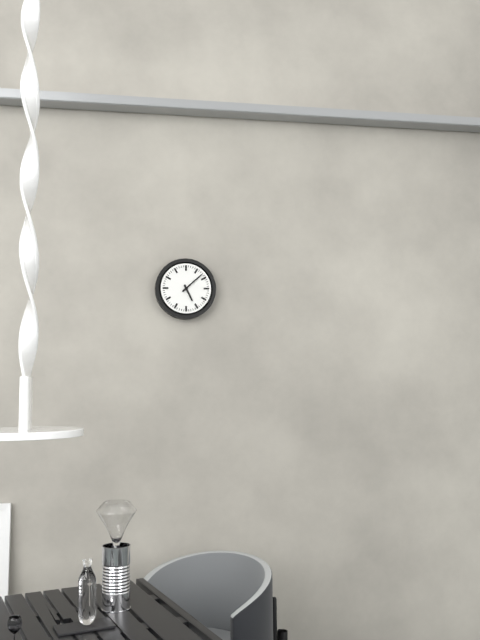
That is 5h08
